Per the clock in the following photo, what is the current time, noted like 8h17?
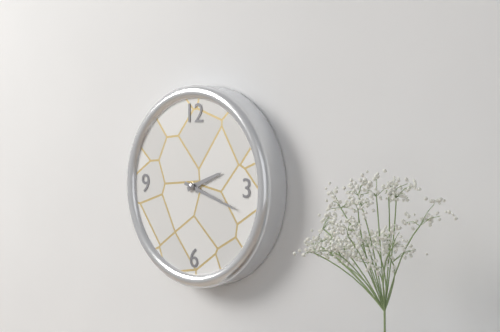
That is 2h18
